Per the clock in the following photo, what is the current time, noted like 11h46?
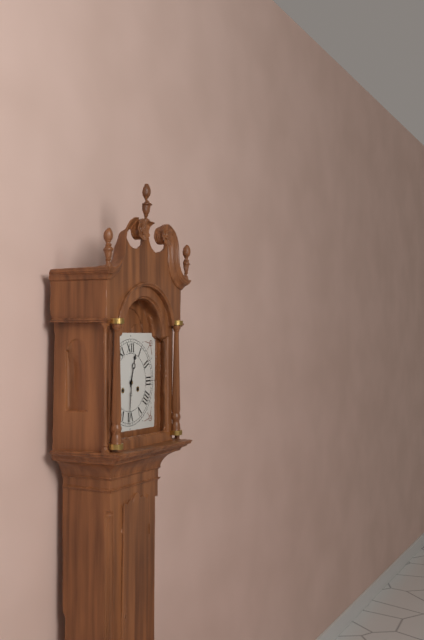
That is 12h31
